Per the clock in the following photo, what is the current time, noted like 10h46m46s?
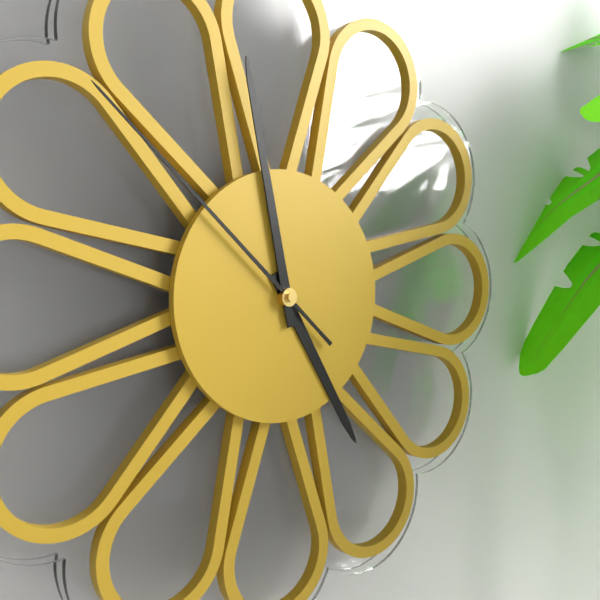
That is 4h58m52s
